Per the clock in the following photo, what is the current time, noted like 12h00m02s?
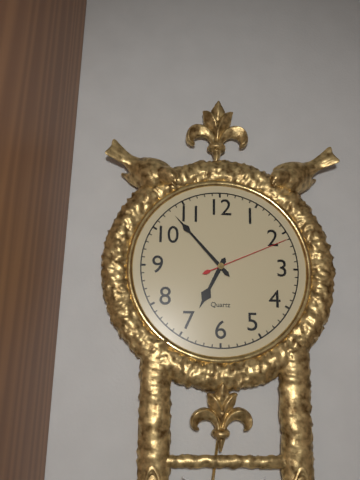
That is 6h53m11s
